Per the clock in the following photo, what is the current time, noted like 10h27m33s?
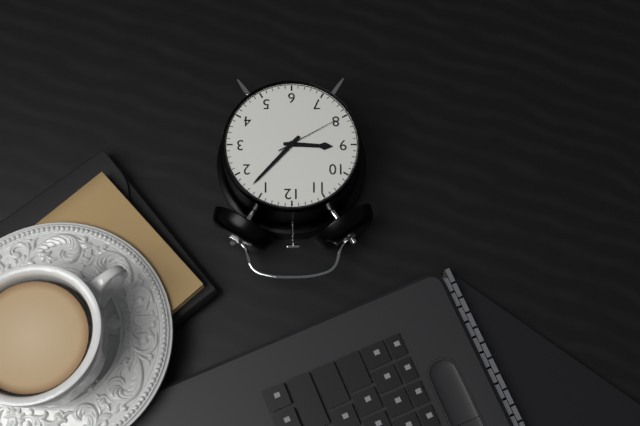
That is 9h07m40s
